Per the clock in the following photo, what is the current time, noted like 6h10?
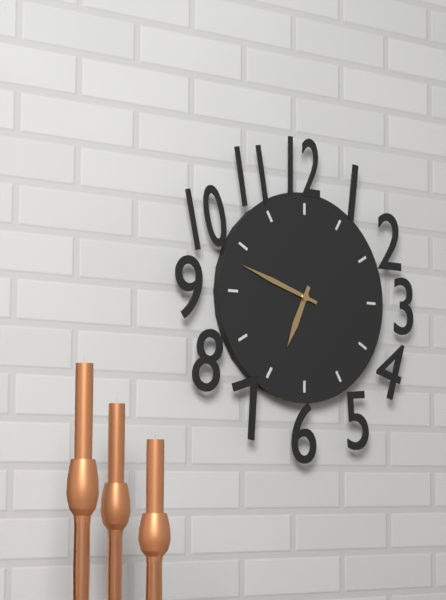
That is 6h48
